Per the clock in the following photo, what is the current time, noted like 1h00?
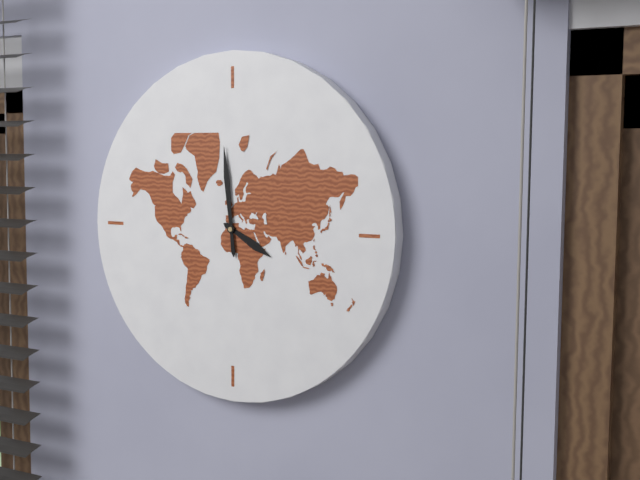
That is 3h59
